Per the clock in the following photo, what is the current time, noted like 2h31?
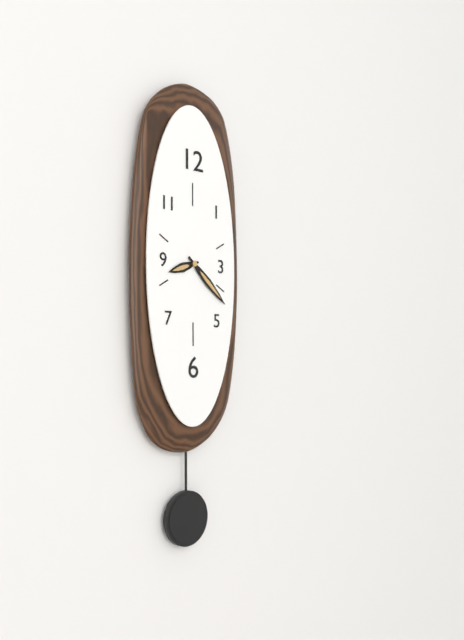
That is 8h22
